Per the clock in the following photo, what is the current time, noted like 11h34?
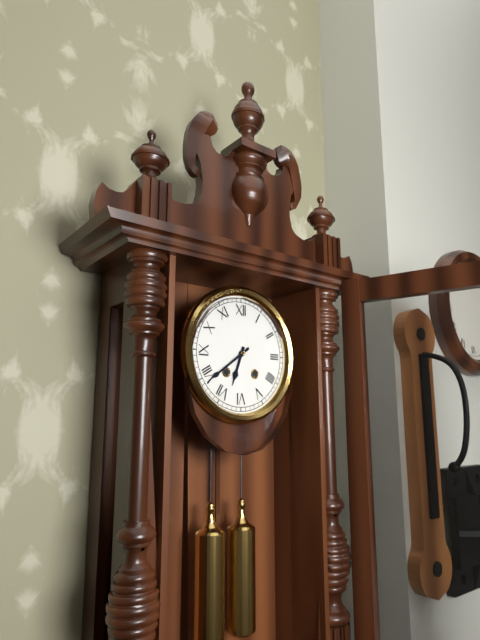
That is 6h39
